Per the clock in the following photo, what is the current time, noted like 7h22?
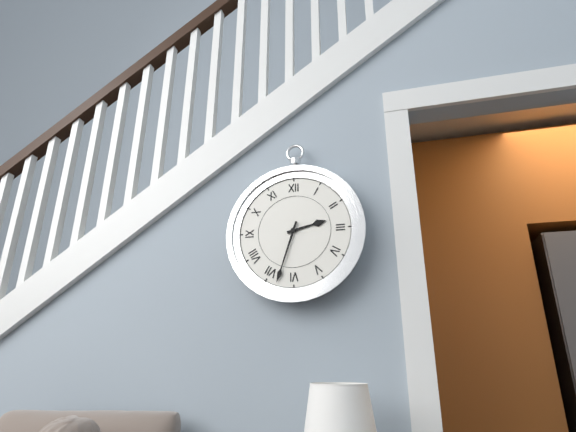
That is 2h33
